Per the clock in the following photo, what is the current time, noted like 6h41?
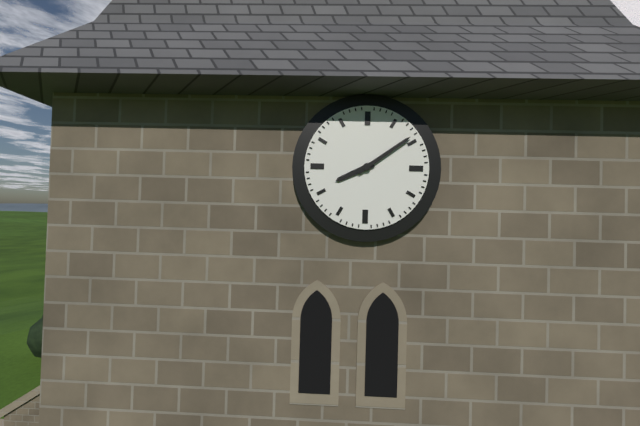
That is 8h09
